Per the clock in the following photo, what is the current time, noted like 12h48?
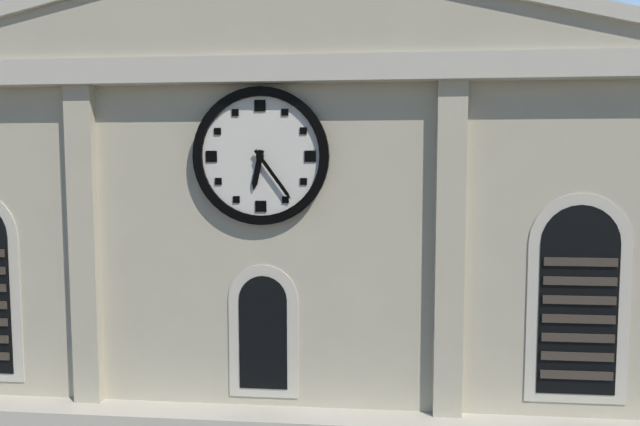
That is 6h24
